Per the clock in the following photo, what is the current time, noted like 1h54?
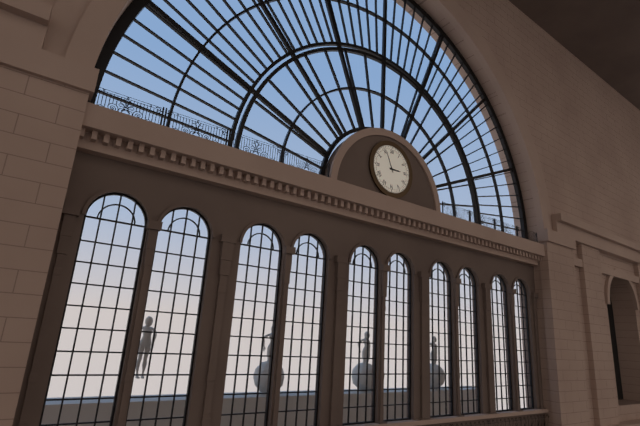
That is 2h56
